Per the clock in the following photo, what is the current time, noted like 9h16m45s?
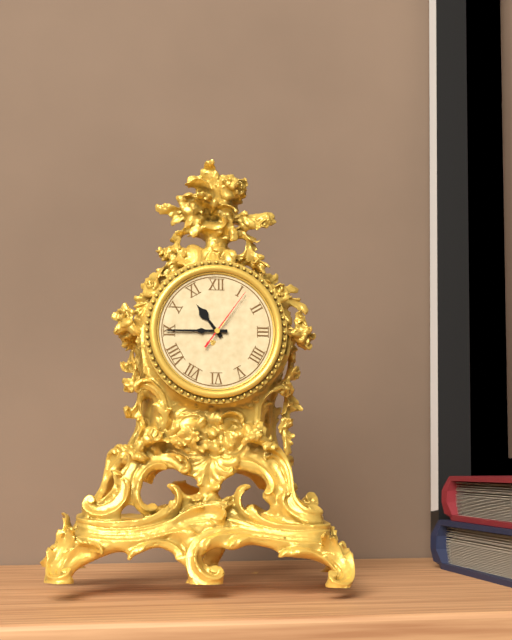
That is 10h45m06s
